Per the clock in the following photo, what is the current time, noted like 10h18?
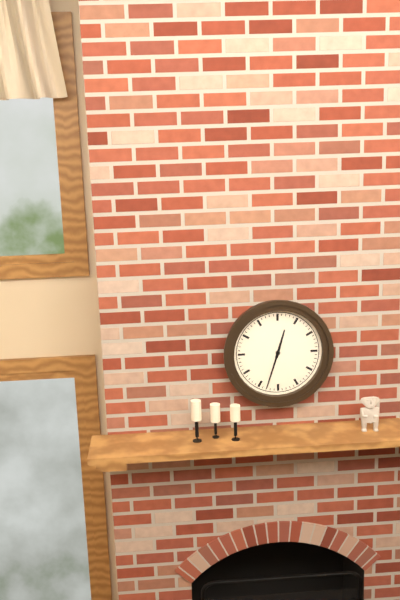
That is 12h33
